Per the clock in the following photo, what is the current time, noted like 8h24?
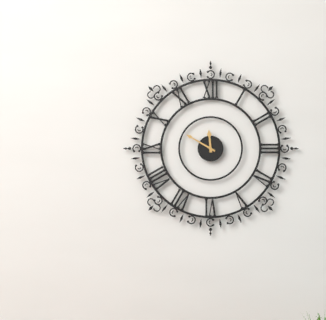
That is 11h50
